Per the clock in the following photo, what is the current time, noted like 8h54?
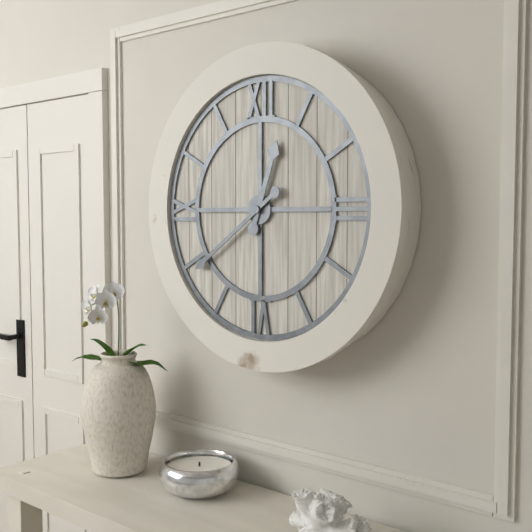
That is 12h39
